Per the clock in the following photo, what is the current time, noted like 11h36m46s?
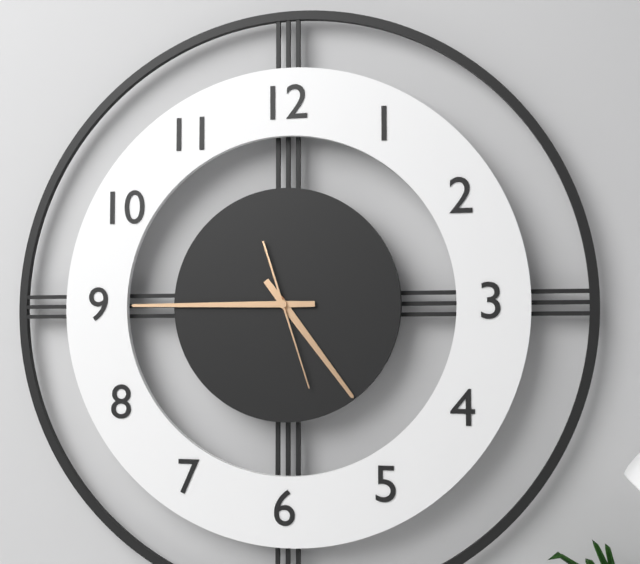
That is 4h45m27s
